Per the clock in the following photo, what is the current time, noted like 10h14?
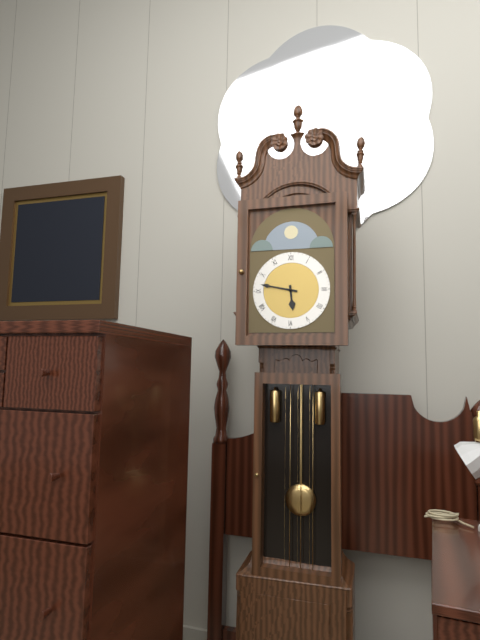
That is 5h47
